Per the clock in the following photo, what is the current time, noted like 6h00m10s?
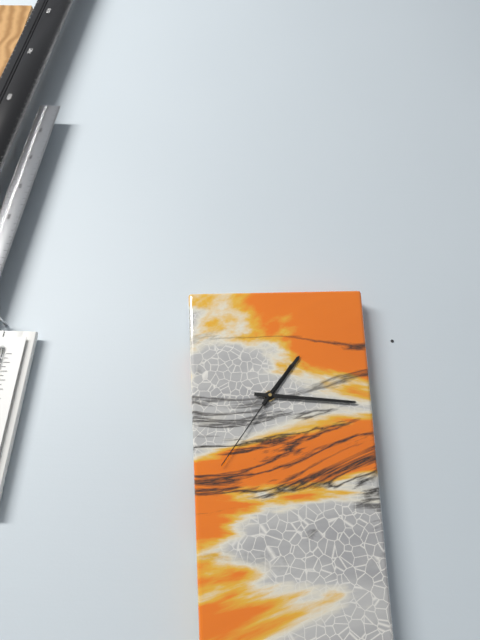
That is 1h16m36s
